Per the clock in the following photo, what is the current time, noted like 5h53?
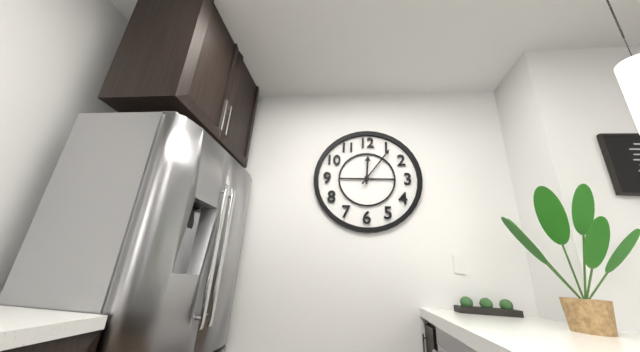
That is 12h06
